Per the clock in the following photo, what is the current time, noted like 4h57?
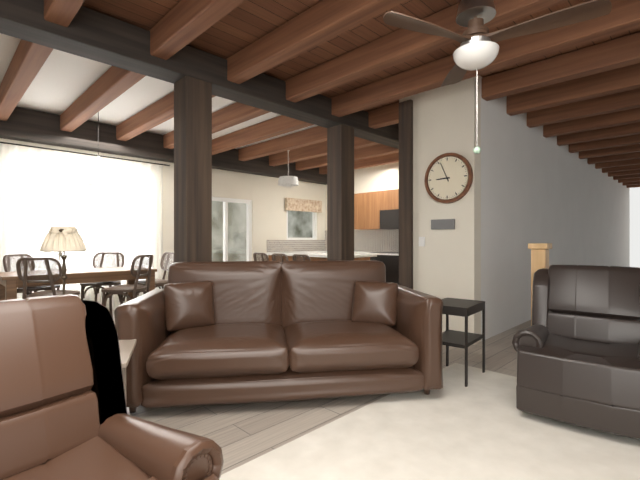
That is 8h56
